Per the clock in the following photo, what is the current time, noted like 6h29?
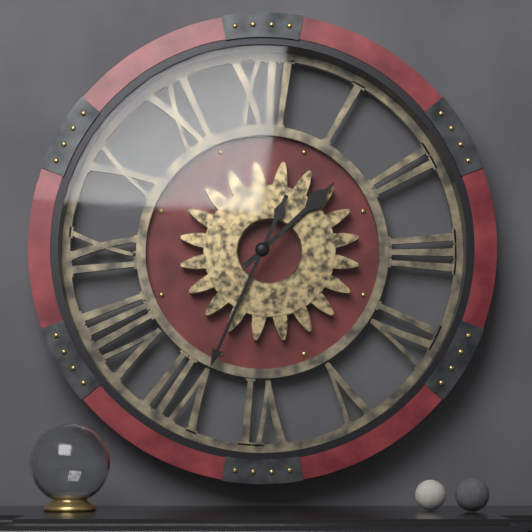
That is 1h34
